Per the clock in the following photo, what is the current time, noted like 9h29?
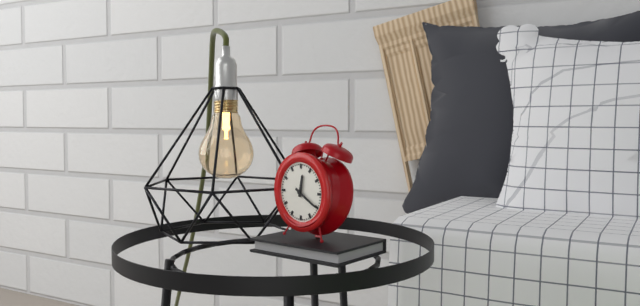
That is 12h20
